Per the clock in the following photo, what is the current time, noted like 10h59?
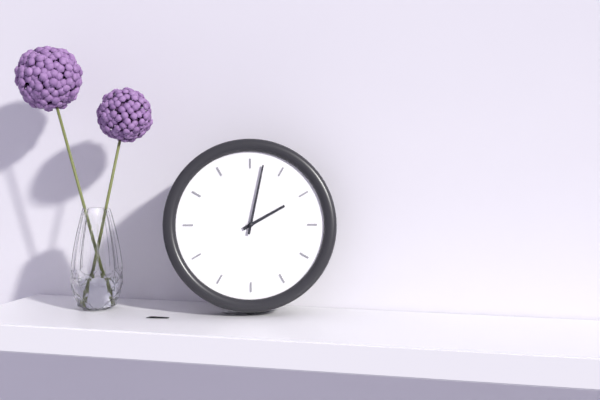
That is 2h02
